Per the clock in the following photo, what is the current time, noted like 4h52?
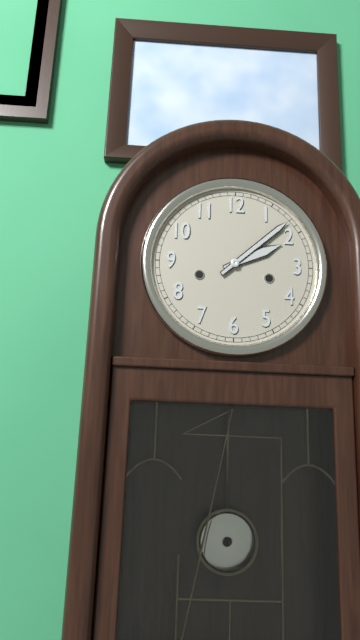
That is 2h08
